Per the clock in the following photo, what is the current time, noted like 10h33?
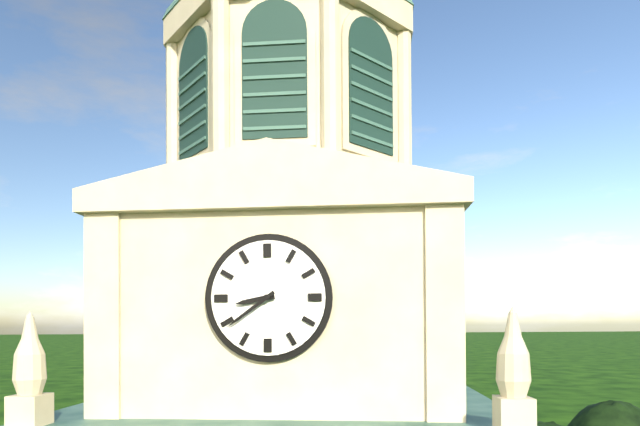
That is 8h39
